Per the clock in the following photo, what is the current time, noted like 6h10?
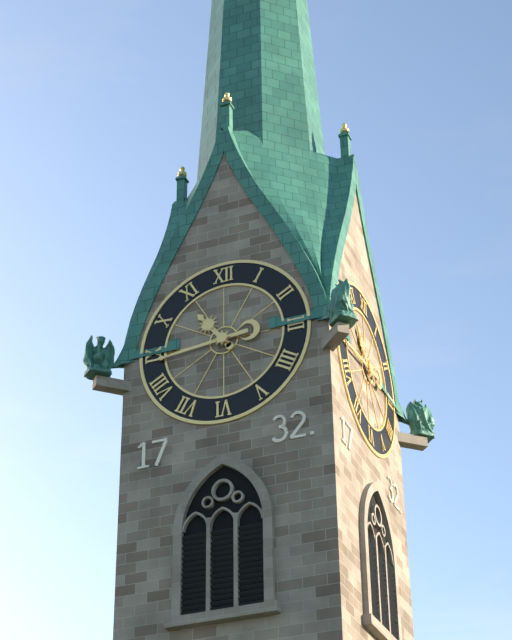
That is 10h44
